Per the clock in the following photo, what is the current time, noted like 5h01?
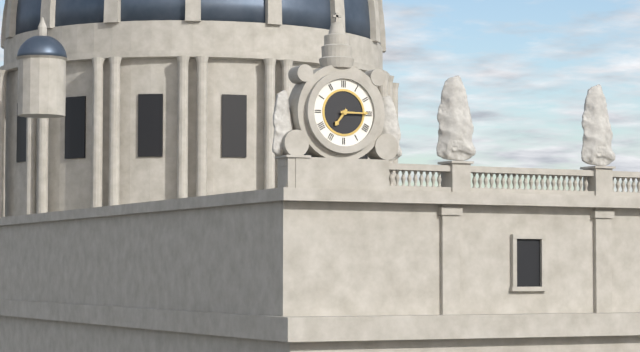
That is 7h15
